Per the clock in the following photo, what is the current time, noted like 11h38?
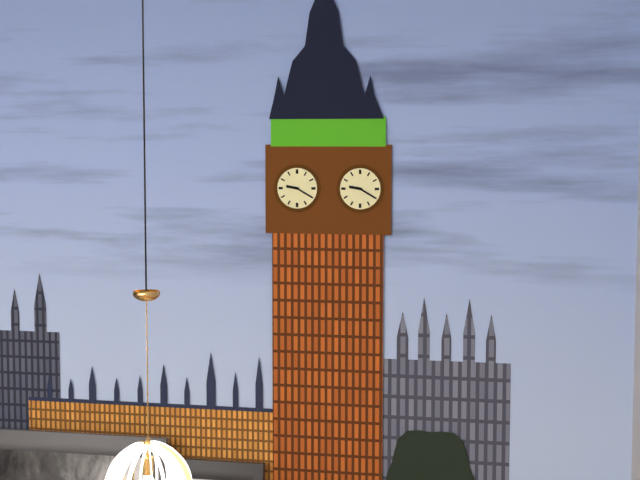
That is 9h20
